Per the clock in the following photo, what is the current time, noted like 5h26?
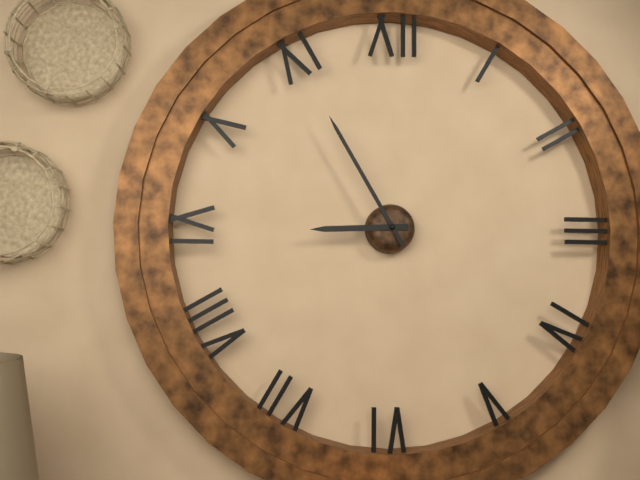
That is 8h55
